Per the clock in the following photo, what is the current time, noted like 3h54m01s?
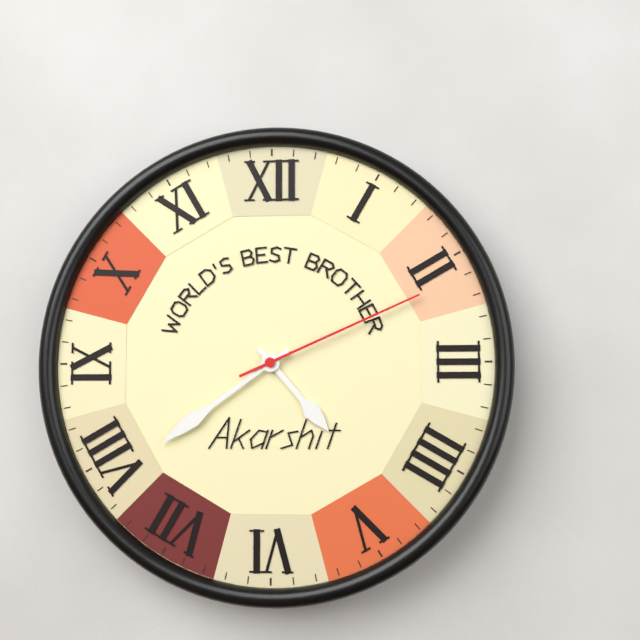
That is 4h39m11s
